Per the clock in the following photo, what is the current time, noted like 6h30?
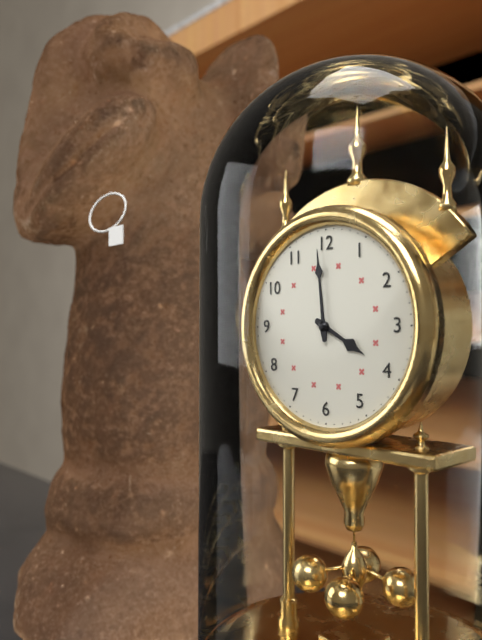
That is 3h59
